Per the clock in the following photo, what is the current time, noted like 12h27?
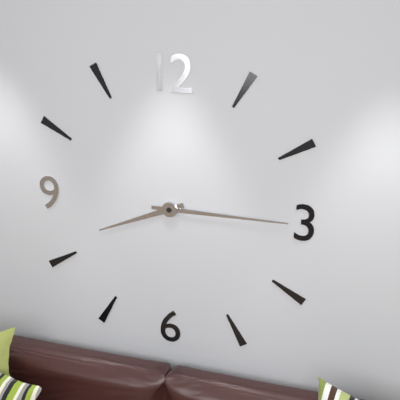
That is 8h15
